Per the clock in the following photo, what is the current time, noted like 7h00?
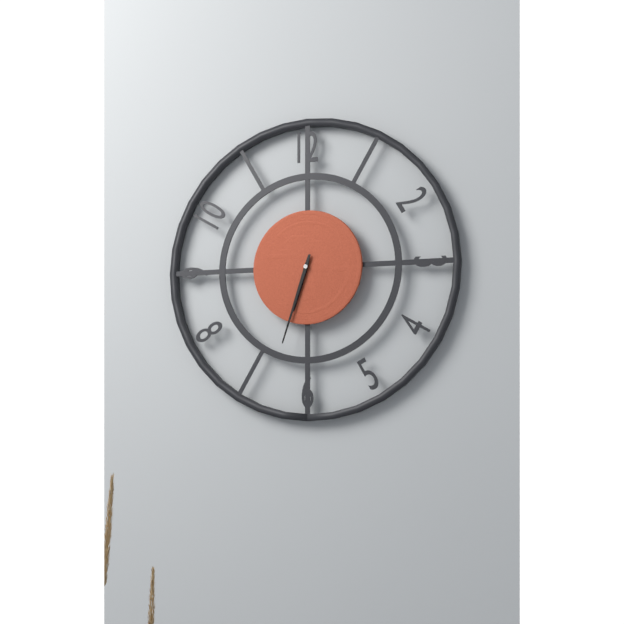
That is 6h33
